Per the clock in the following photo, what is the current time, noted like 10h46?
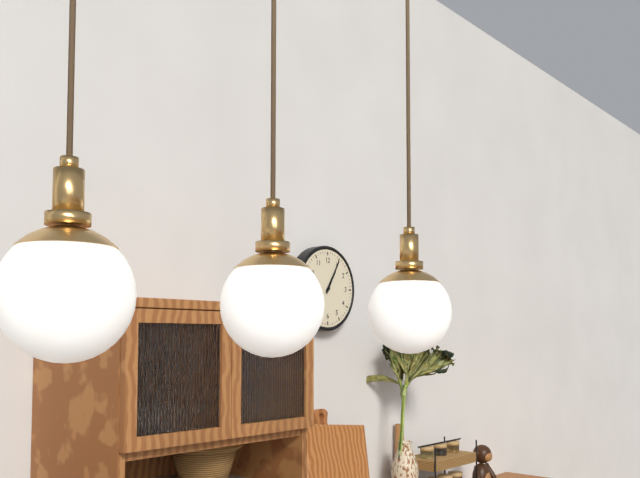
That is 1h05
